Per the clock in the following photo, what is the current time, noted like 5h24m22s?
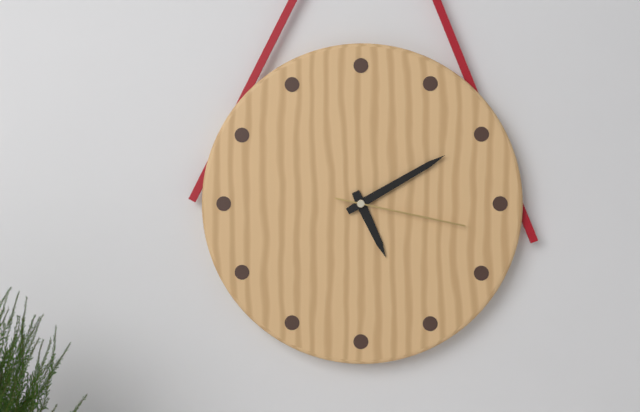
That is 5h10m17s
